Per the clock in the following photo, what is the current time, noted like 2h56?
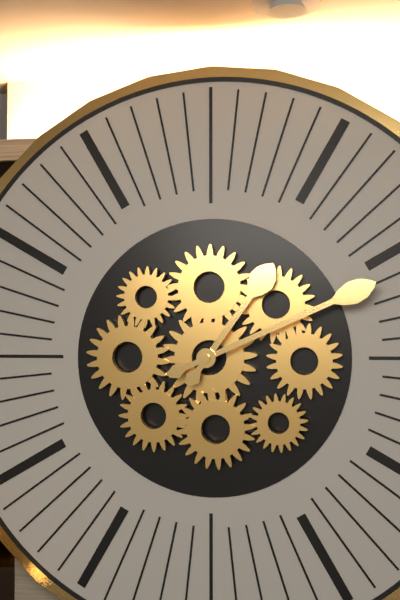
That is 1h11
